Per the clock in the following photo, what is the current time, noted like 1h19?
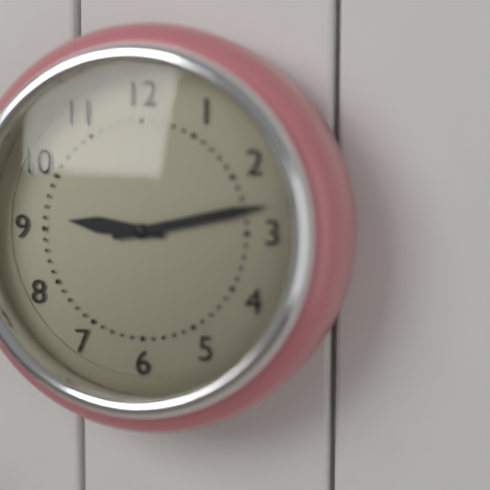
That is 9h13
